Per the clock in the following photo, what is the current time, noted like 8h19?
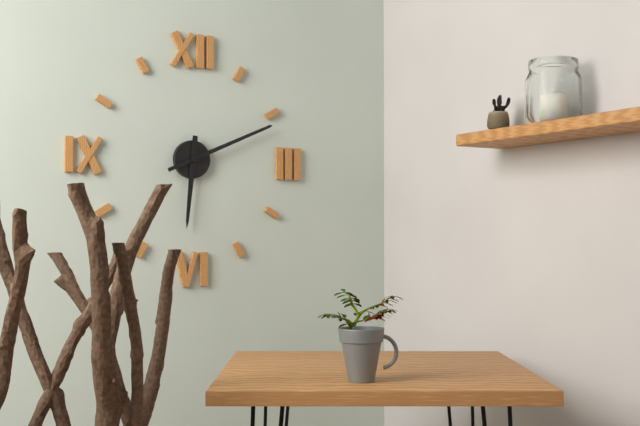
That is 6h11
